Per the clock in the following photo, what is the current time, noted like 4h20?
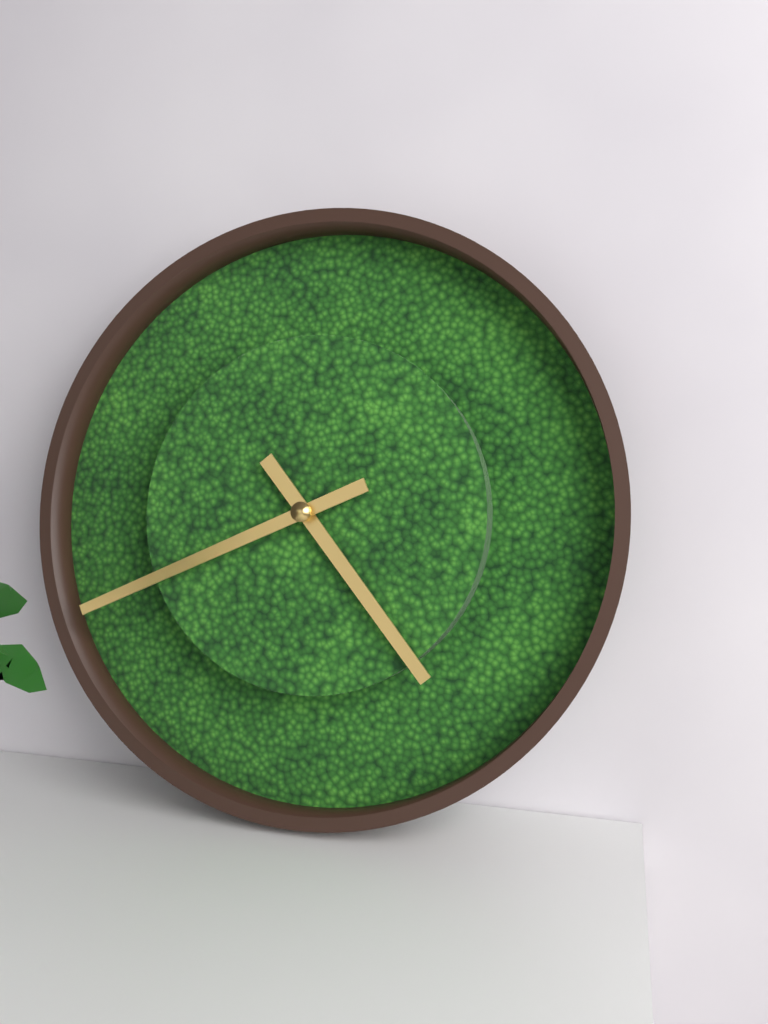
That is 4h41
